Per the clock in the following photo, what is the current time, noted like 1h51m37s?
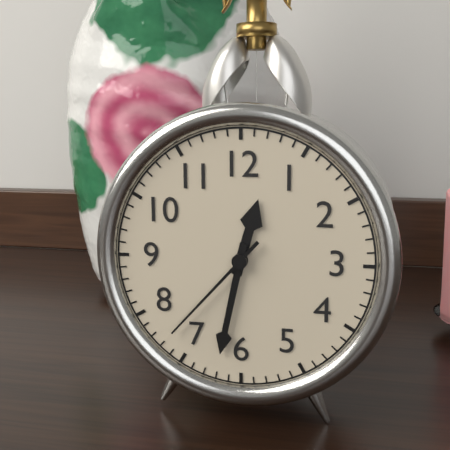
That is 12h32m37s
